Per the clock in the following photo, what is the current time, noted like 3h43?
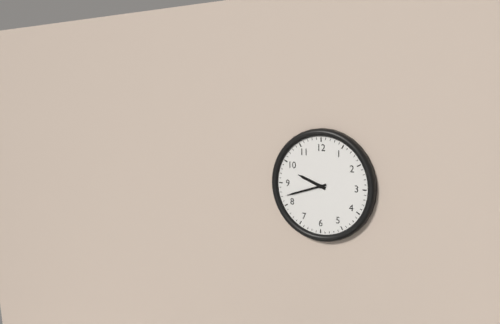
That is 9h42
